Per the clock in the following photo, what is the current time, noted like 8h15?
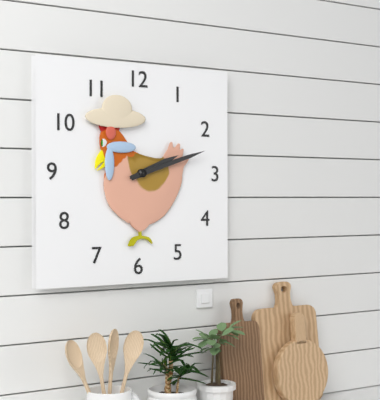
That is 2h12
